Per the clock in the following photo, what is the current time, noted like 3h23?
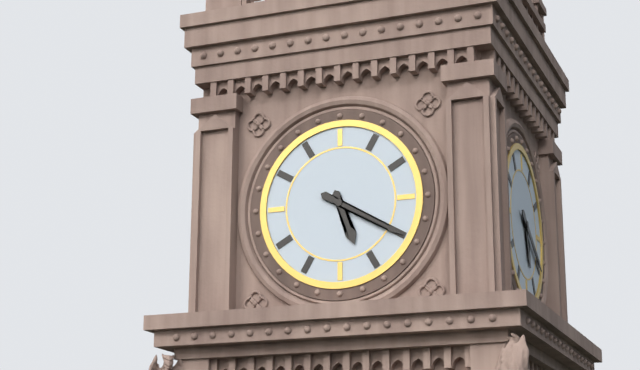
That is 5h20
